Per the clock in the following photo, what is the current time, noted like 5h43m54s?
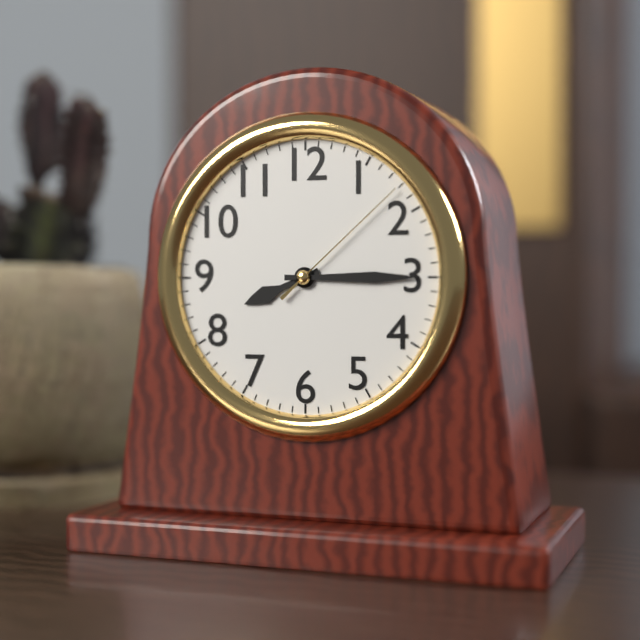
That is 8h15m08s
